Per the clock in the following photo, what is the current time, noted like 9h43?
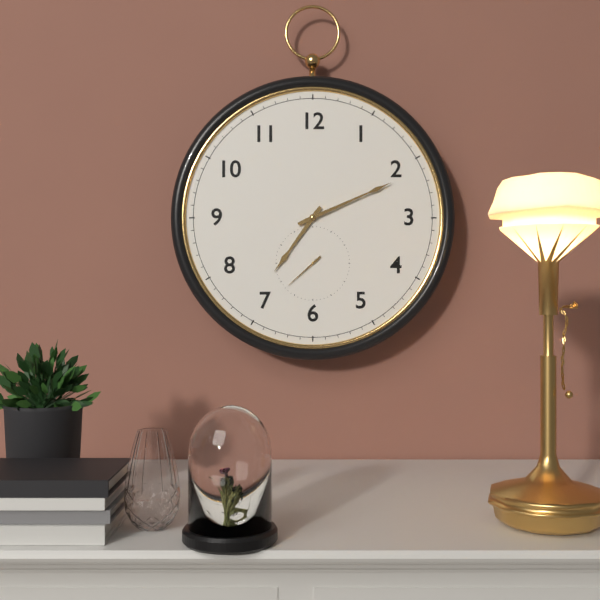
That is 7h11
